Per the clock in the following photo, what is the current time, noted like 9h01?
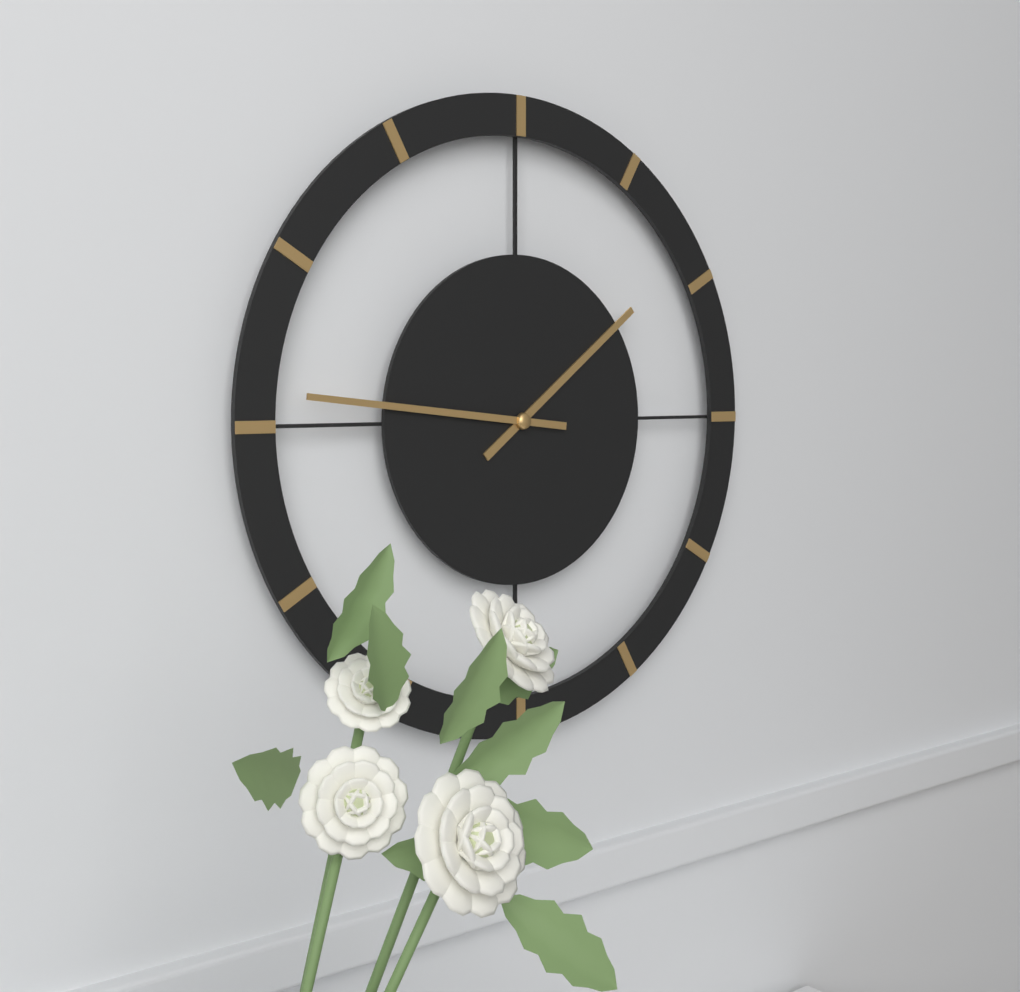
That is 1h46
